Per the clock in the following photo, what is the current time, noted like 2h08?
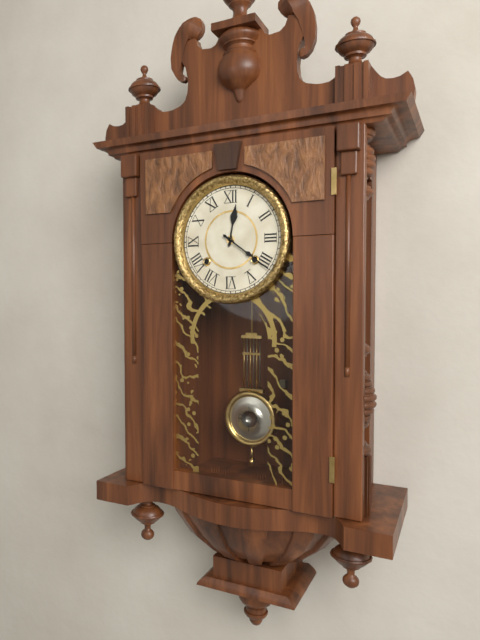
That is 12h21
